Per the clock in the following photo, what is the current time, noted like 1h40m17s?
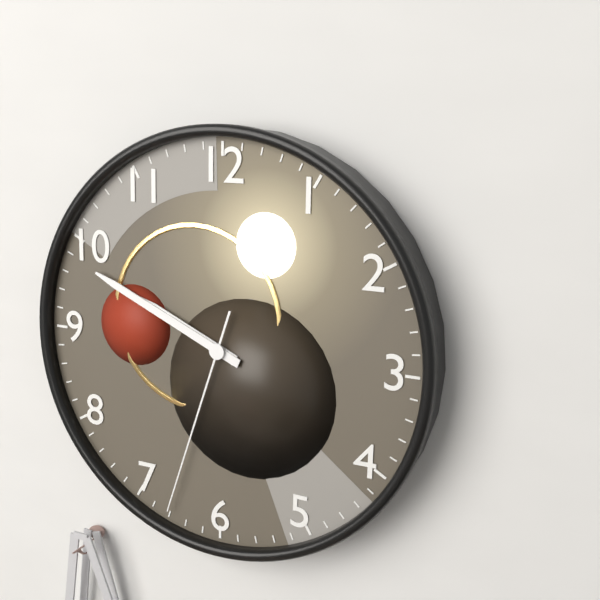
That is 9h49m33s
